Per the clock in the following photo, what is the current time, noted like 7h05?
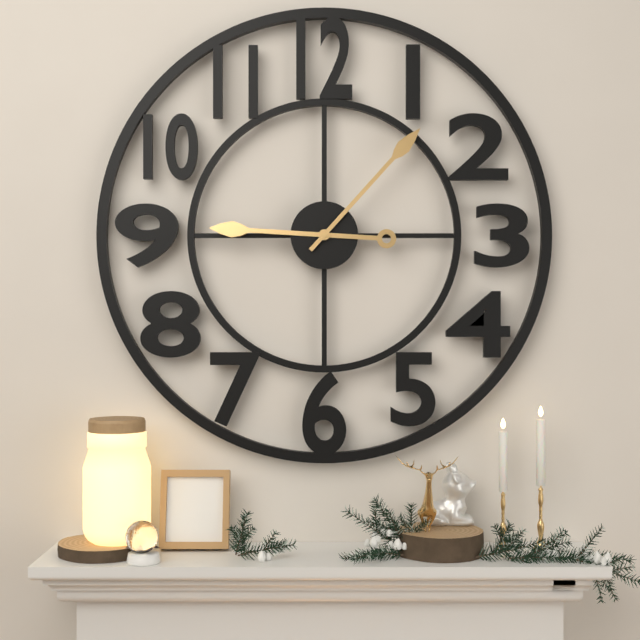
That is 9h07
